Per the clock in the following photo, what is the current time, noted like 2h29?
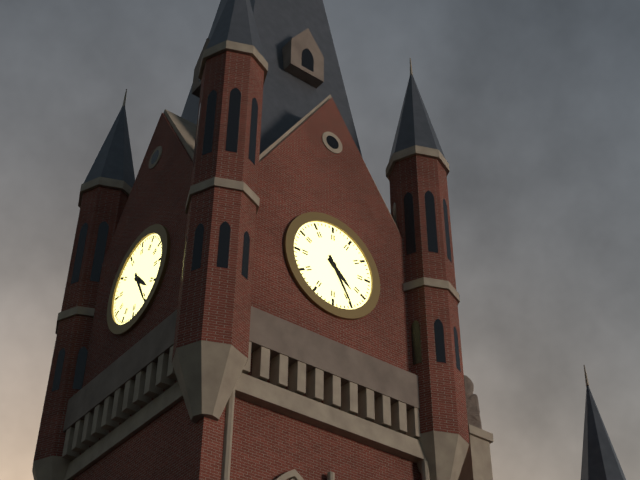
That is 4h25
